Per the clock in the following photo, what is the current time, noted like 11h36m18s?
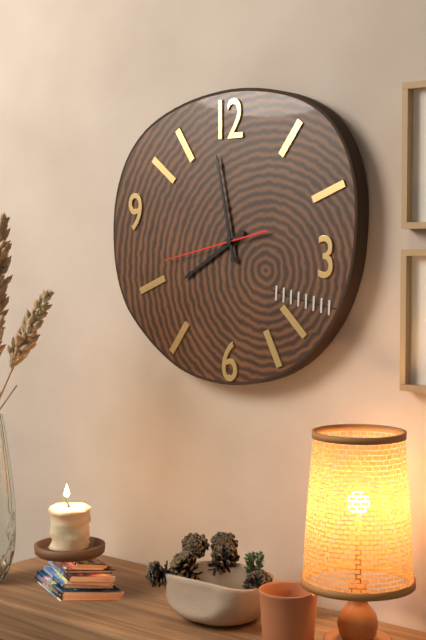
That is 7h58m43s
